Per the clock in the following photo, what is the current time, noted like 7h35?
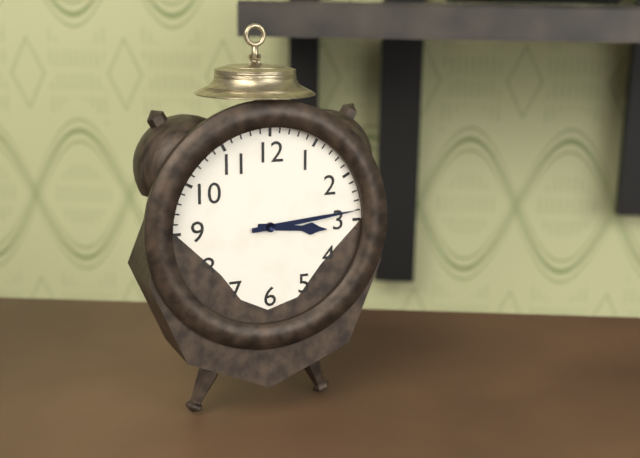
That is 3h14
